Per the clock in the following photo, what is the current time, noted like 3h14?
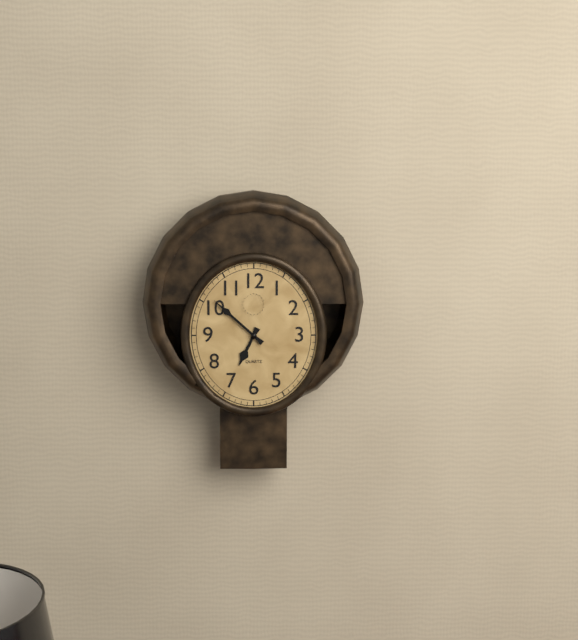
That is 6h52
